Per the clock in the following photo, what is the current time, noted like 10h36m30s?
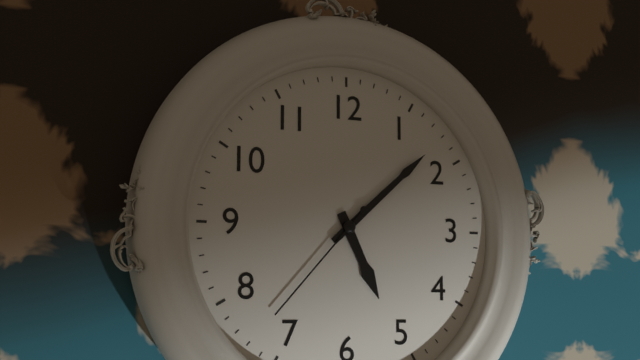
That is 5h08m37s
